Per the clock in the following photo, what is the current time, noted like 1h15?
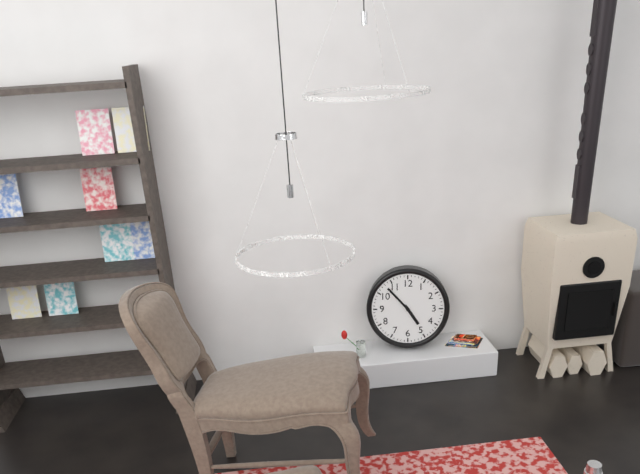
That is 4h53
